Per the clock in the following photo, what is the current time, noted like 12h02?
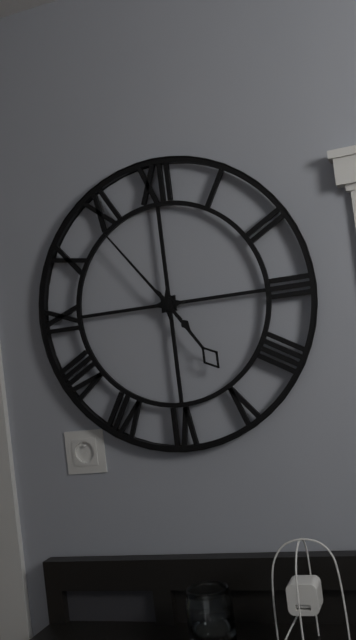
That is 4h54
